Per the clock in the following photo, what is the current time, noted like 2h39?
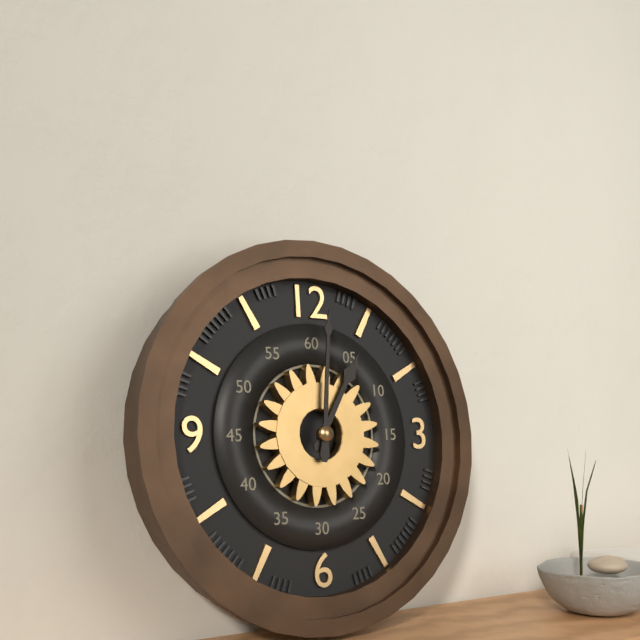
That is 1h01
